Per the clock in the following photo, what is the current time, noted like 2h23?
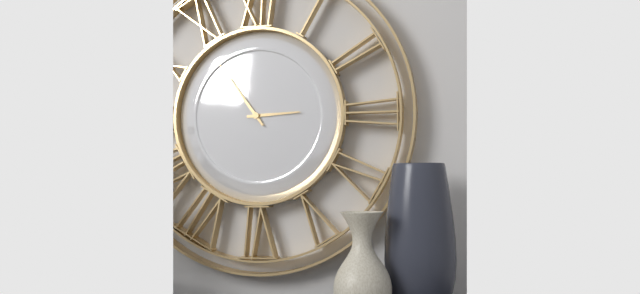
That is 2h54
